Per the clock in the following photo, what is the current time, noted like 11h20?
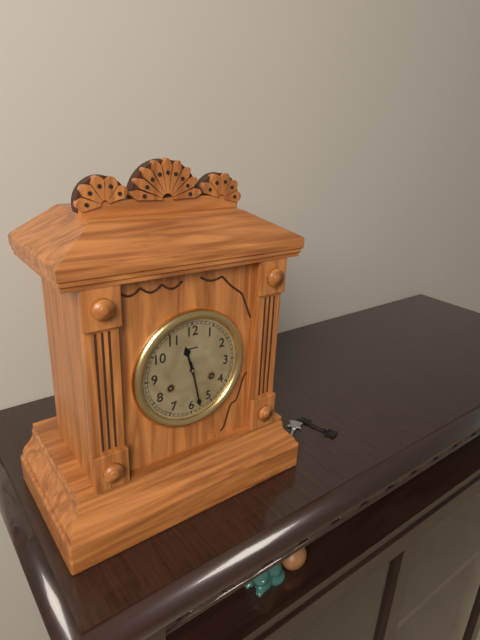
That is 11h28
